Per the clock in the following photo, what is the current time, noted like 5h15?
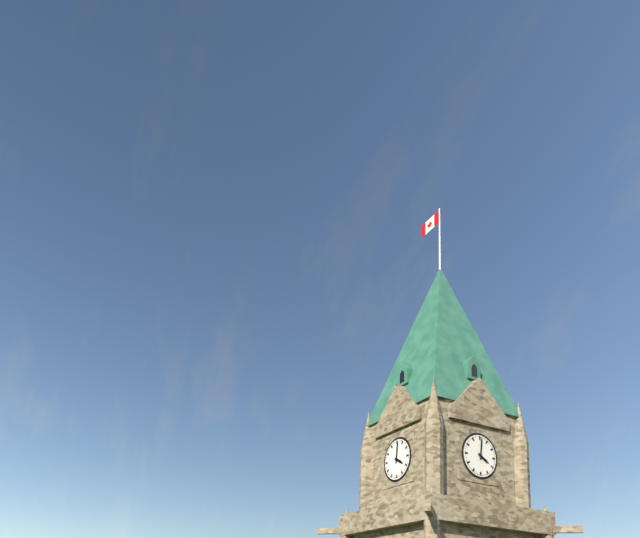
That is 4h01
